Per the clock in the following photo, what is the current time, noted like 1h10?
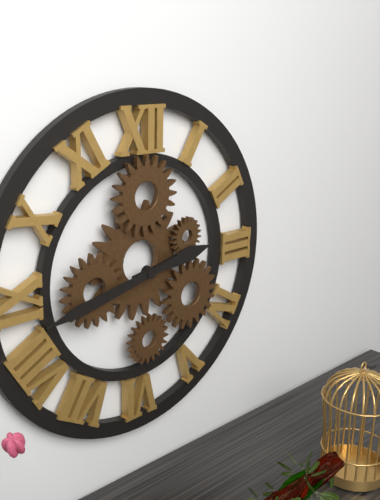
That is 2h43
